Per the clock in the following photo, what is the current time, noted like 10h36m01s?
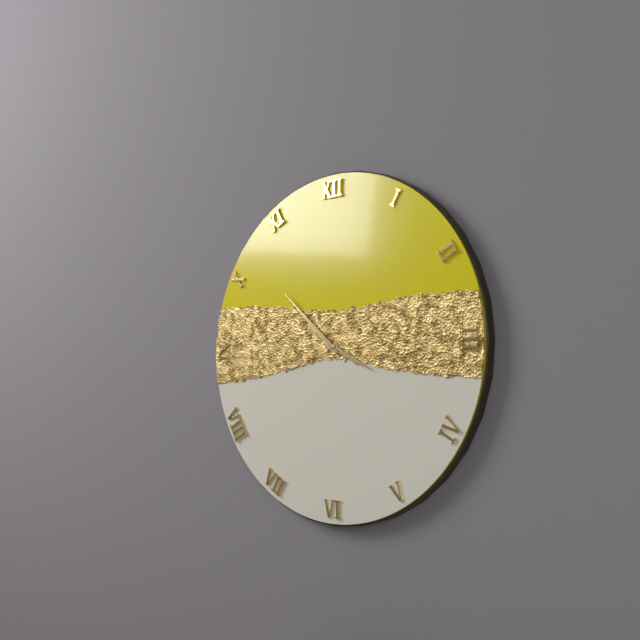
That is 3h52m42s
